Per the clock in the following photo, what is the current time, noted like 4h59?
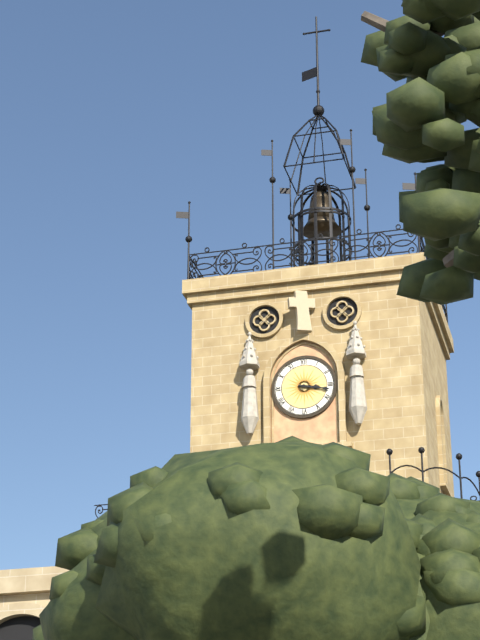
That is 3h17
